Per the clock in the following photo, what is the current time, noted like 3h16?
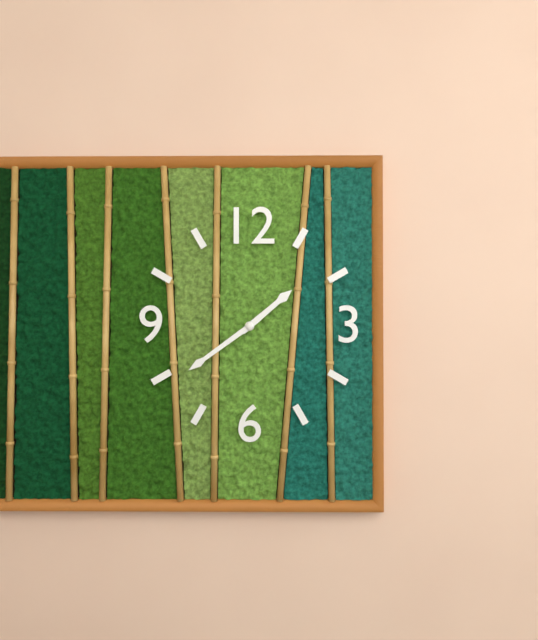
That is 1h39
